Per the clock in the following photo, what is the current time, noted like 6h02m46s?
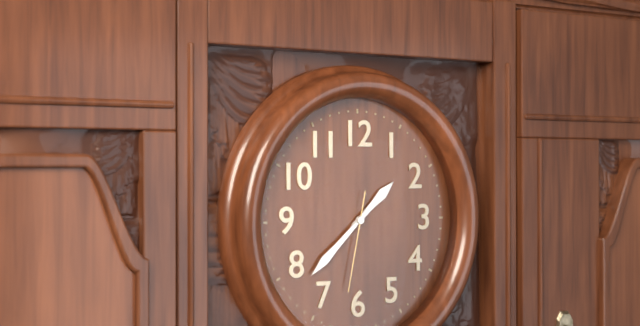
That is 1h38m32s
